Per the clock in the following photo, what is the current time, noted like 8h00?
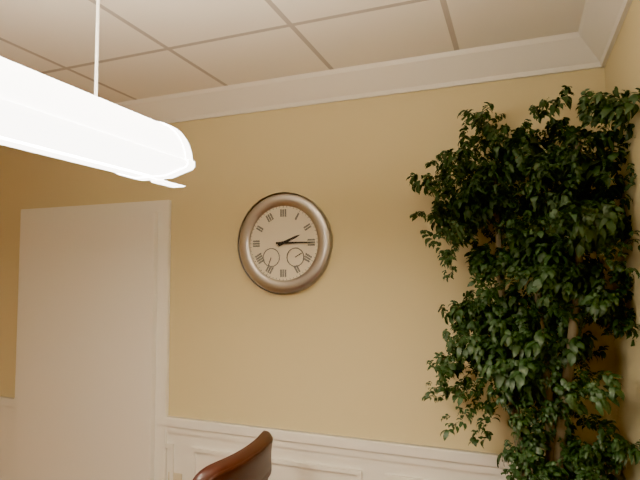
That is 2h15
